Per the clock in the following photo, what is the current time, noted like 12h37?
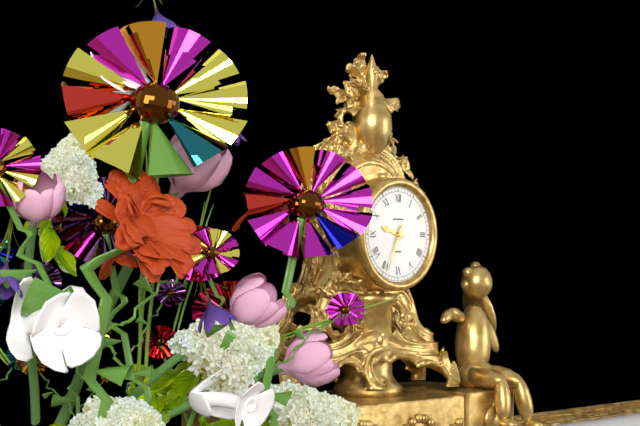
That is 9h34
